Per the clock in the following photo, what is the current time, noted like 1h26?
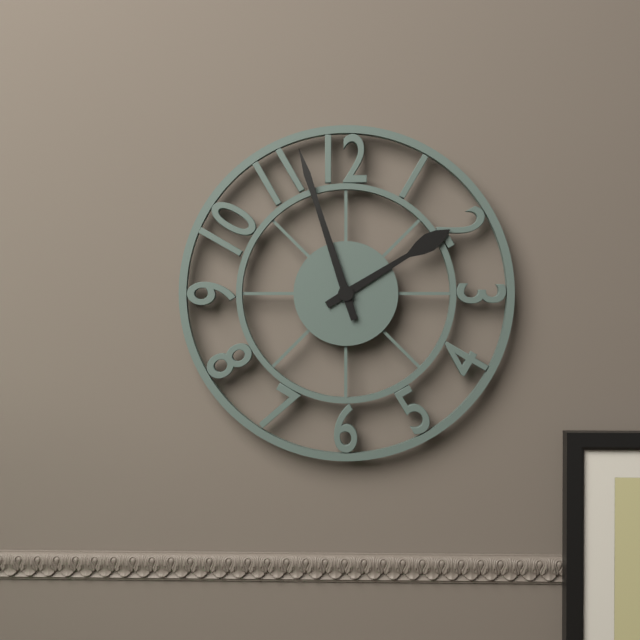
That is 1h57
